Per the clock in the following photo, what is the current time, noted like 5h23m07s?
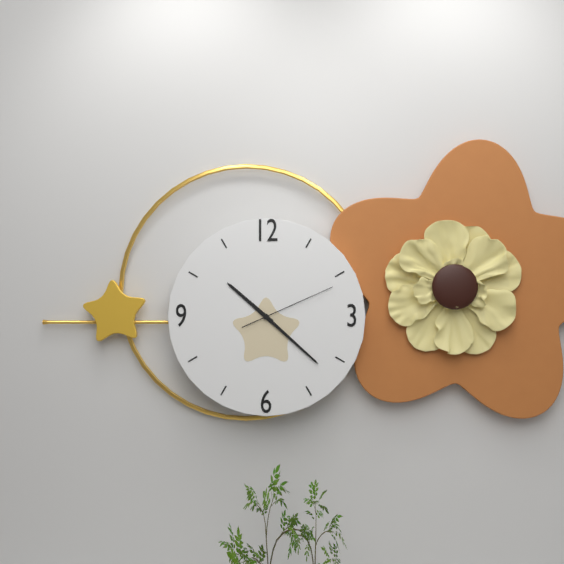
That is 10h22m11s
